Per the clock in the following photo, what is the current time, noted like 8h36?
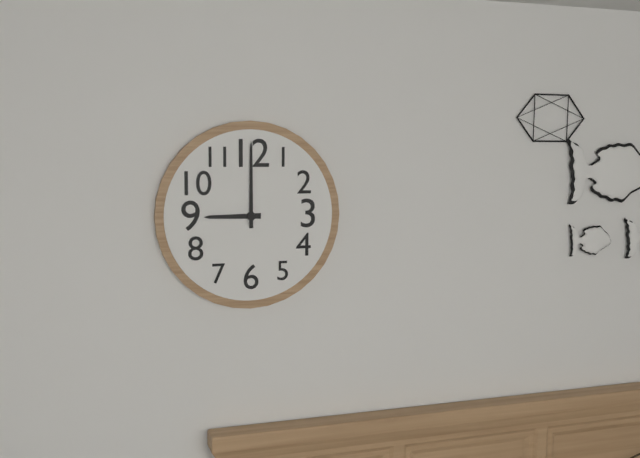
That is 9h00
